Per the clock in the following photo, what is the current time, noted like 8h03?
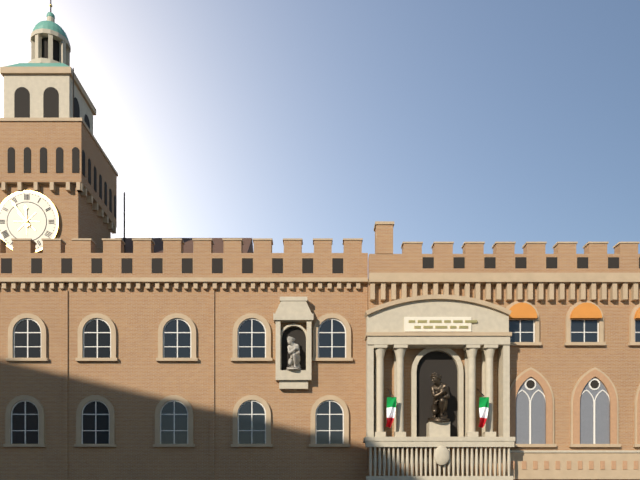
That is 11h54
